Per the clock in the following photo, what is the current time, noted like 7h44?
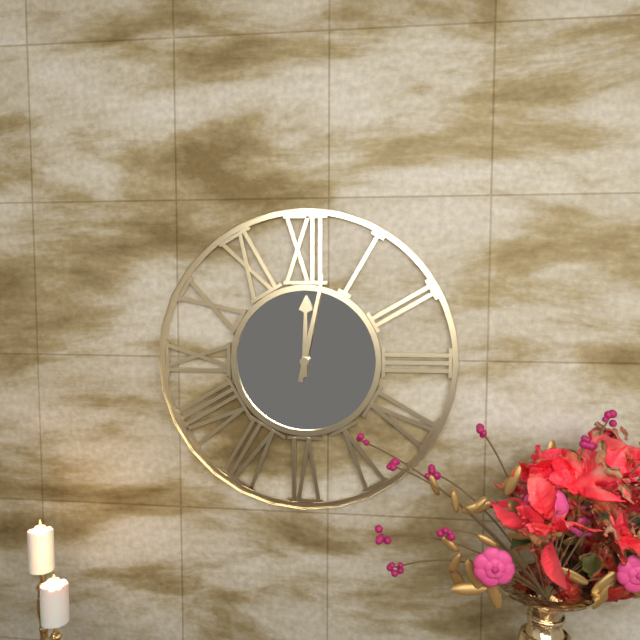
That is 12h02
